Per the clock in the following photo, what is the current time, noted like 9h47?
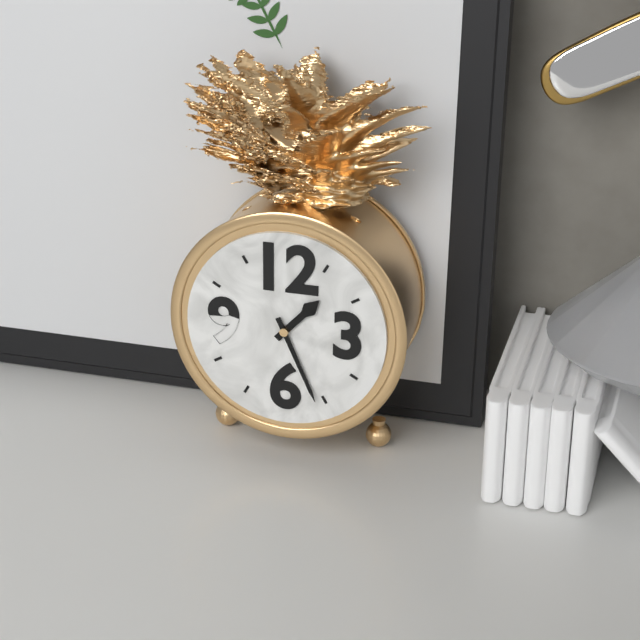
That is 1h26
